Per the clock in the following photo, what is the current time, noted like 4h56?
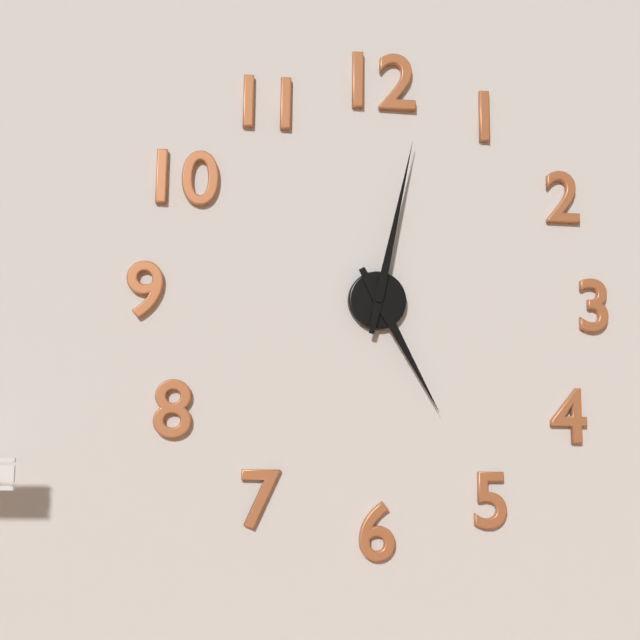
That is 5h02
